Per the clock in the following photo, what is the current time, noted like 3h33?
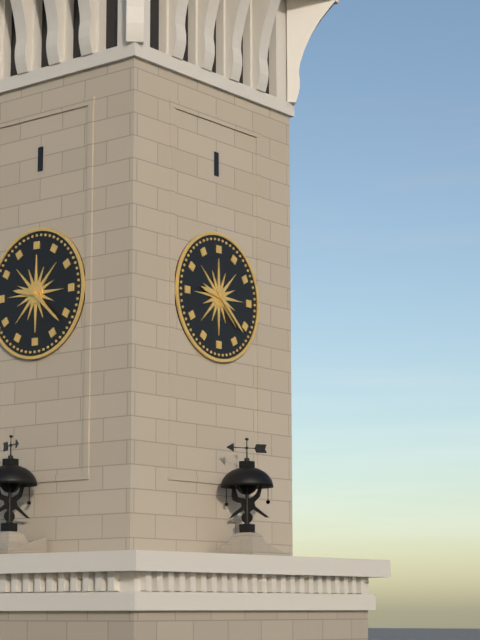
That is 9h22
